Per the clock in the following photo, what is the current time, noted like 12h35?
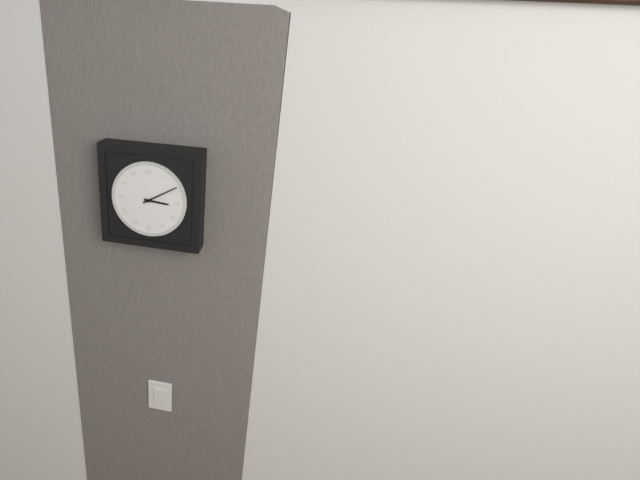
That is 3h10
